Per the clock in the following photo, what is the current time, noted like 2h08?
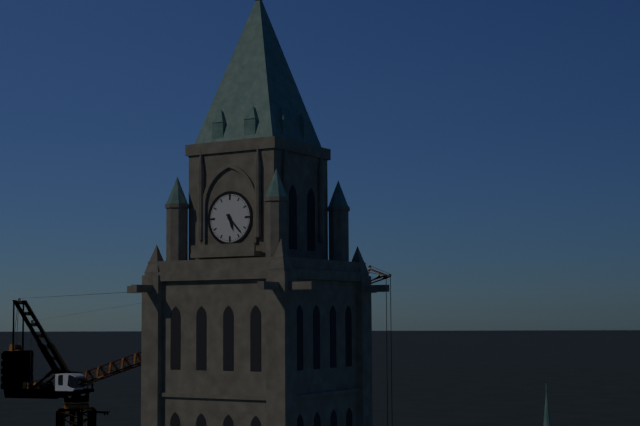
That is 5h23
